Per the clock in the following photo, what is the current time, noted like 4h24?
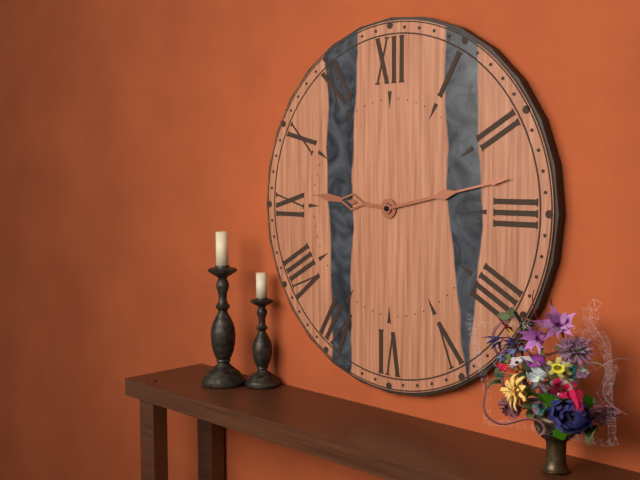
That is 9h13
